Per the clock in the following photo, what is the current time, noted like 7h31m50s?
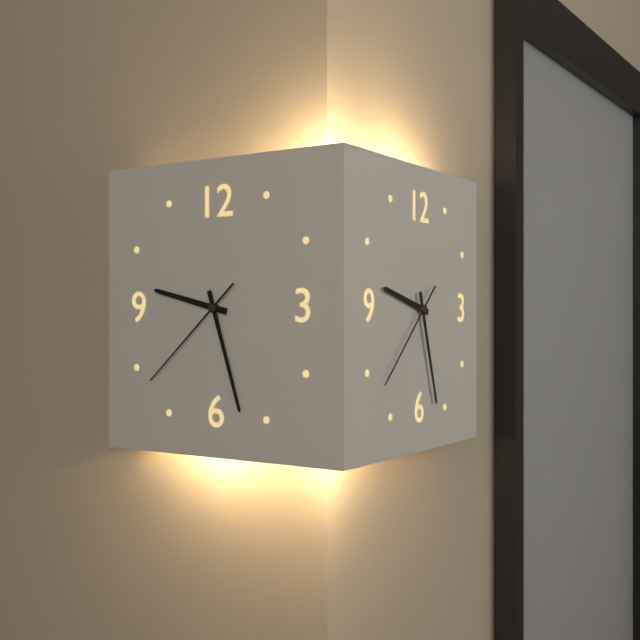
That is 9h27m38s
